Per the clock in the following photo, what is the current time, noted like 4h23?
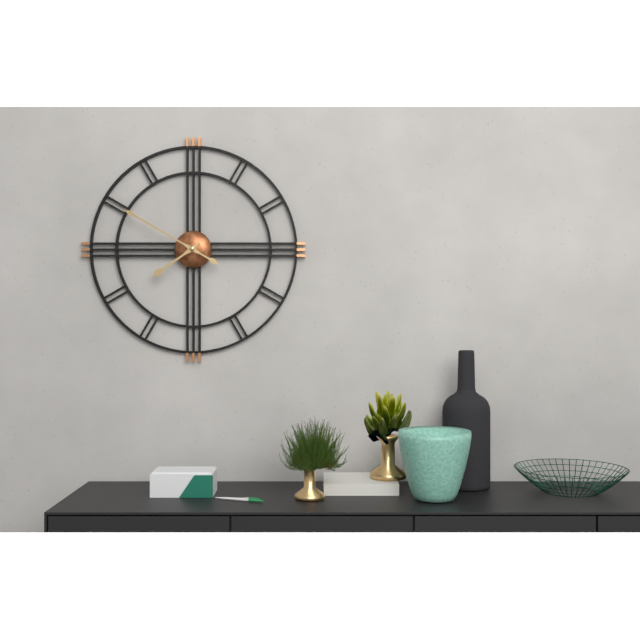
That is 7h50
